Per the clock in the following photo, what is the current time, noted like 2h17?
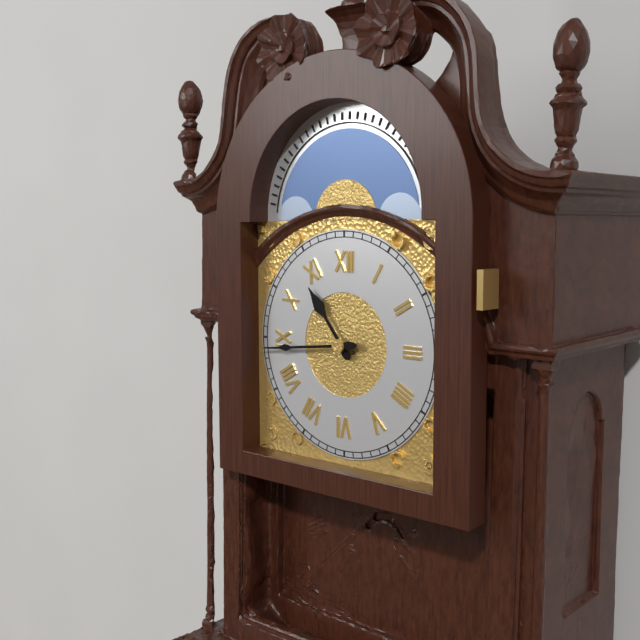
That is 10h44
